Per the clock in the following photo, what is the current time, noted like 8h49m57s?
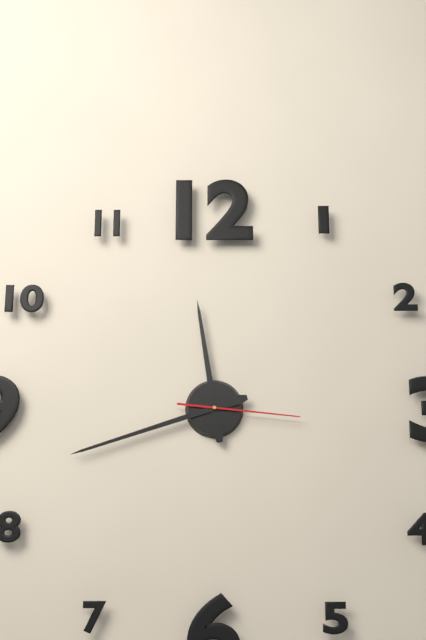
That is 11h42m16s
